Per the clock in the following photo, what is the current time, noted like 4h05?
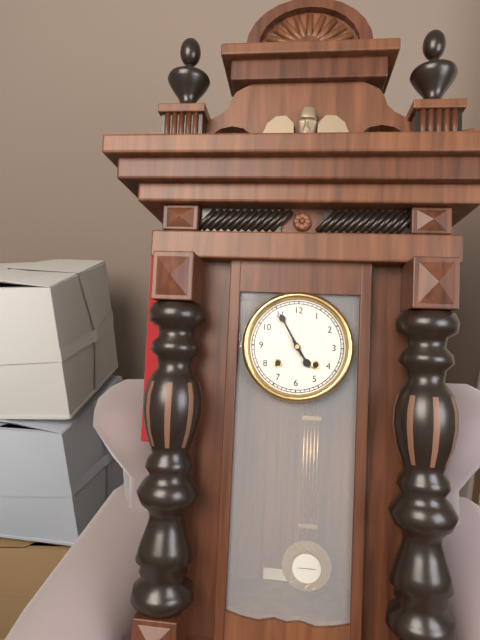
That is 4h55
